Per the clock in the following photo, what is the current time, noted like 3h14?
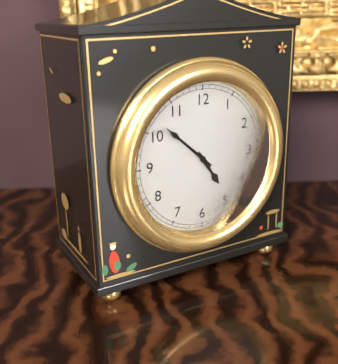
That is 4h52
